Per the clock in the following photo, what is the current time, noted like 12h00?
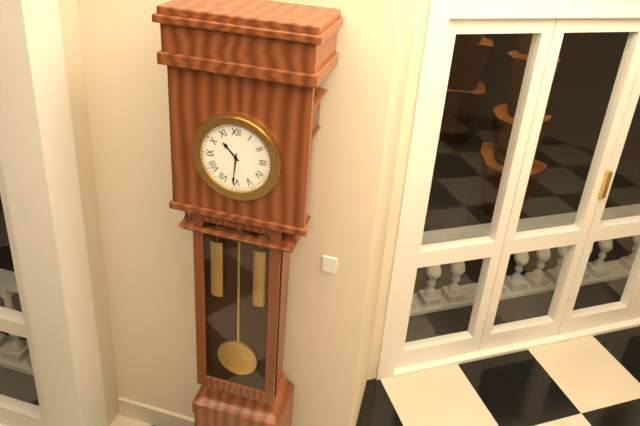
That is 10h31
